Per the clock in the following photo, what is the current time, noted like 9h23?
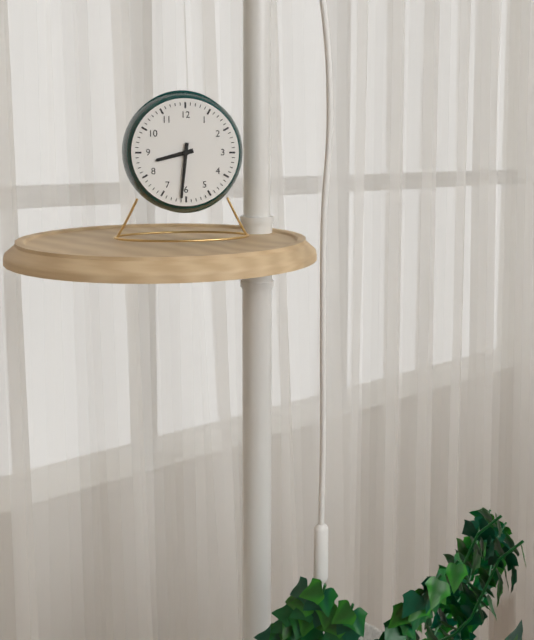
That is 8h31
